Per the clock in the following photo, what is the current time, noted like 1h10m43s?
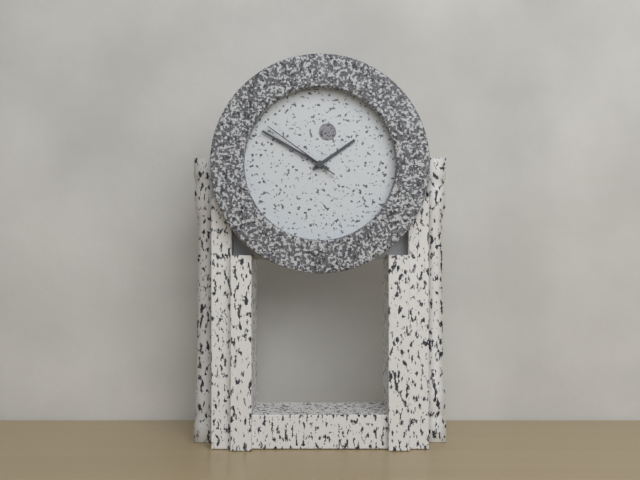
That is 1h50m51s
